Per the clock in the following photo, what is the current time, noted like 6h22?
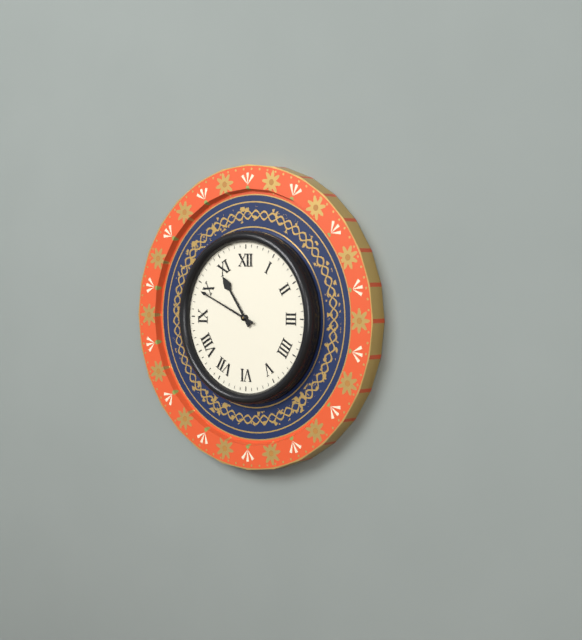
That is 10h49
